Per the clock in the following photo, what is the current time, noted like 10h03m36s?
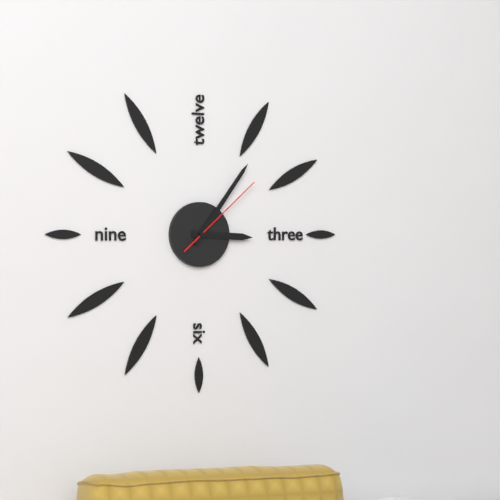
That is 3h06m08s
